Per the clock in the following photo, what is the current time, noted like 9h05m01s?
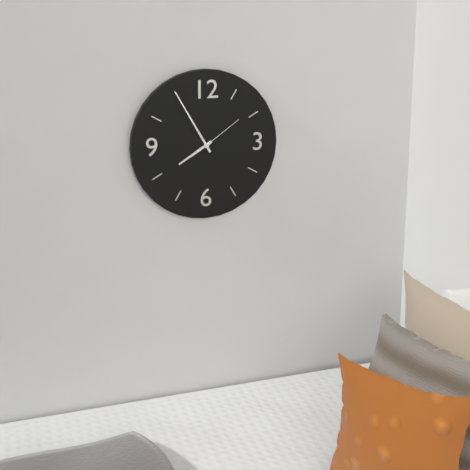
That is 7h55m09s
